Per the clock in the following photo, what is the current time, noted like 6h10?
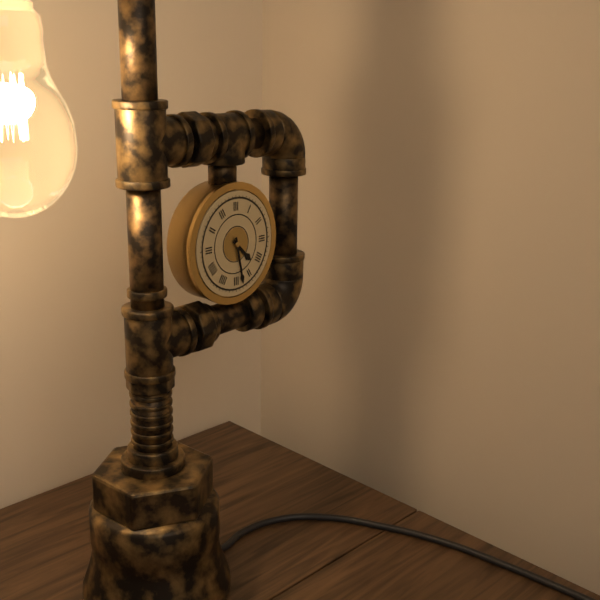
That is 4h28
